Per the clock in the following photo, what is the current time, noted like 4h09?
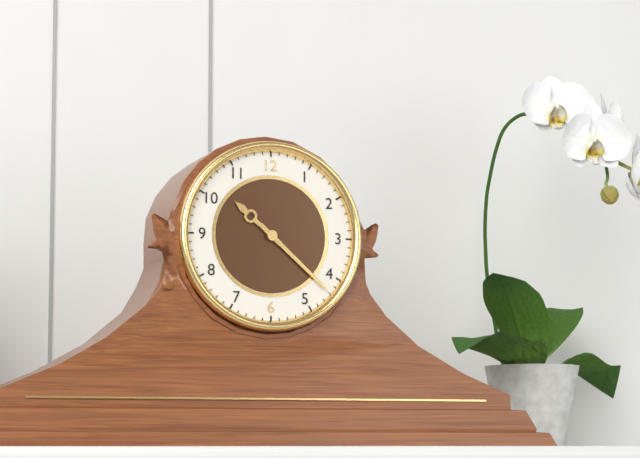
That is 10h22
